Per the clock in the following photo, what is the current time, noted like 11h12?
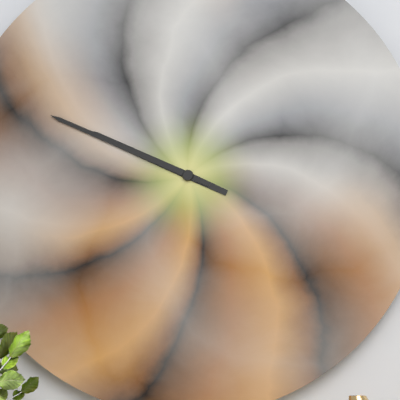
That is 9h49
